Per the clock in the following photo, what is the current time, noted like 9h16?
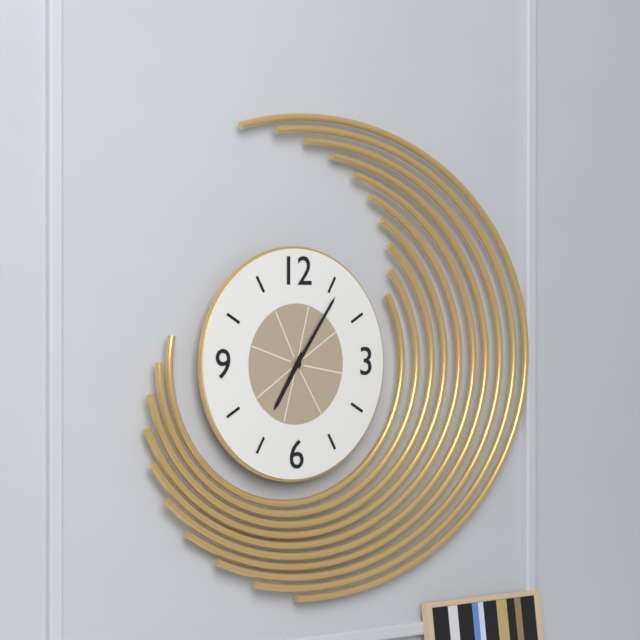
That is 7h06
